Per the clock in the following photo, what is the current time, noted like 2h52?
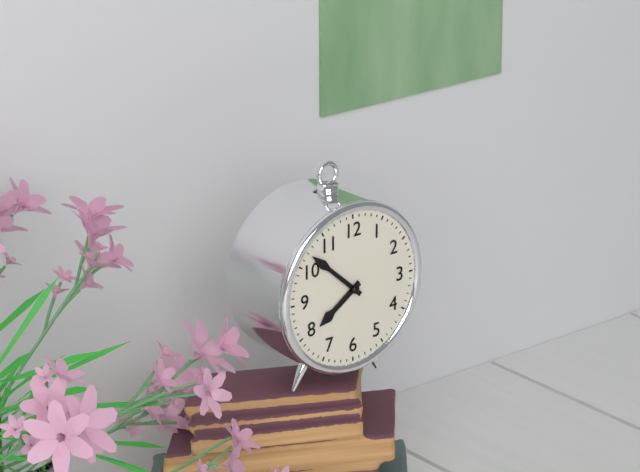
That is 7h52
